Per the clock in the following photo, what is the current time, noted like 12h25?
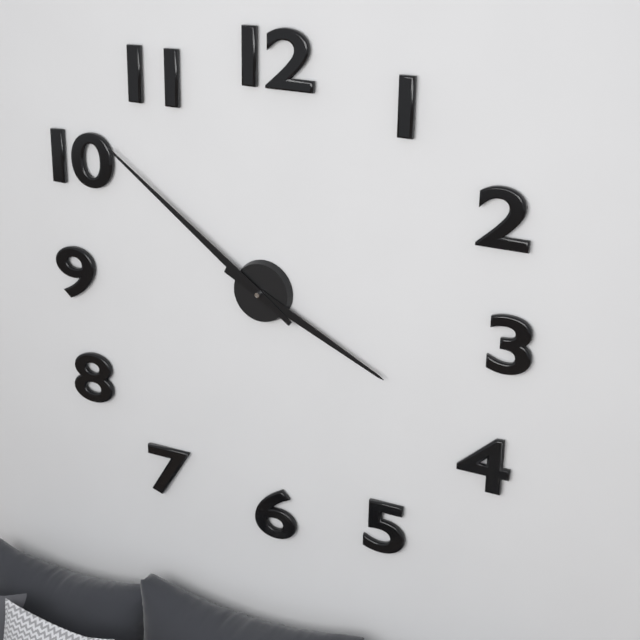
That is 3h51
